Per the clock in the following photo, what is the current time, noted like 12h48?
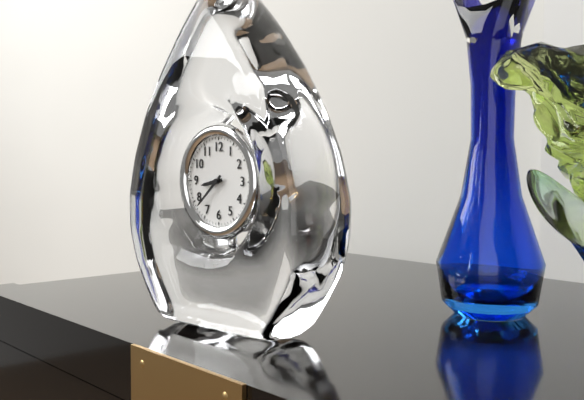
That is 8h38
